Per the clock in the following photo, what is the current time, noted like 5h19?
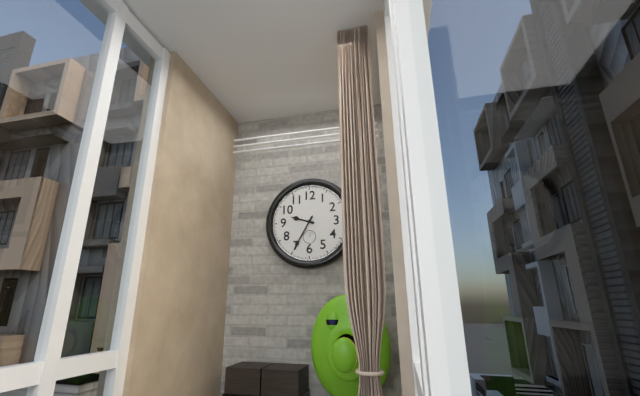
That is 9h35
